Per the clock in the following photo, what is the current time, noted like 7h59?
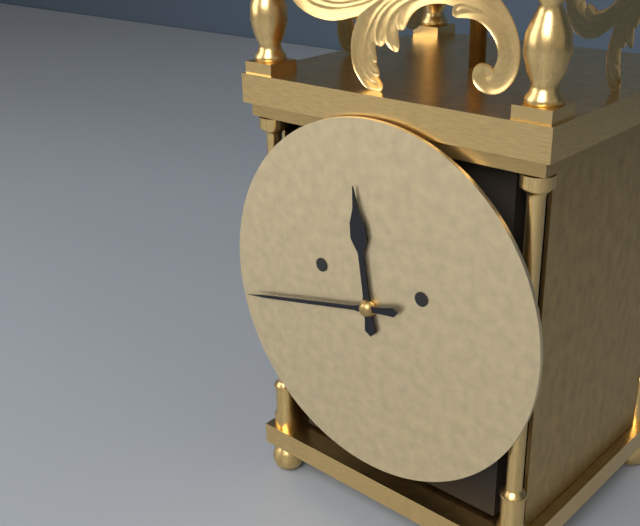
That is 11h43
